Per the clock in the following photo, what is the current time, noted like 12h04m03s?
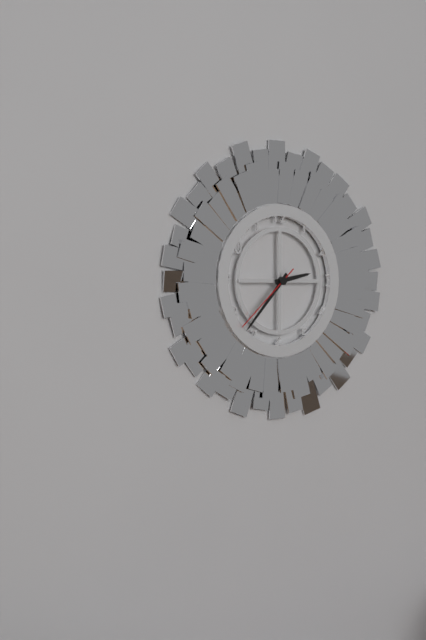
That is 2h37m38s
